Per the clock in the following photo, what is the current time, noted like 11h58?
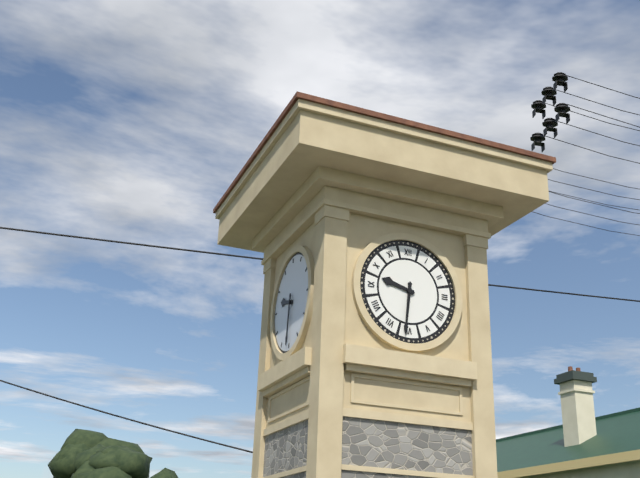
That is 9h31
